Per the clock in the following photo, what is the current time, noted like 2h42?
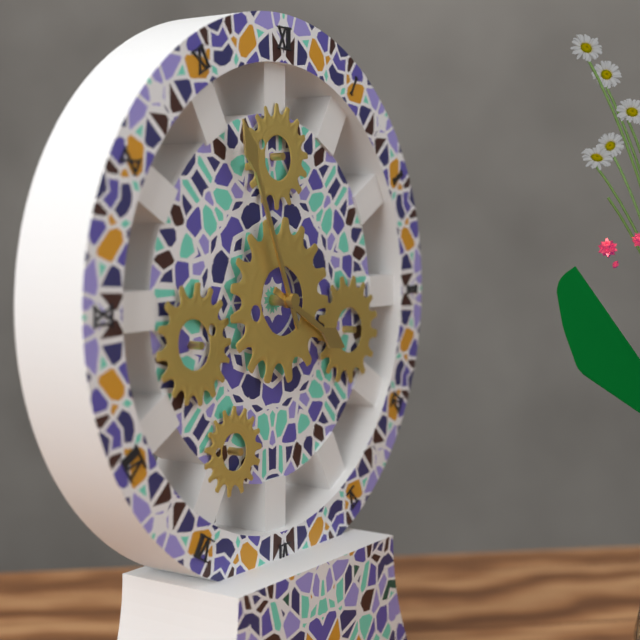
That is 3h56
